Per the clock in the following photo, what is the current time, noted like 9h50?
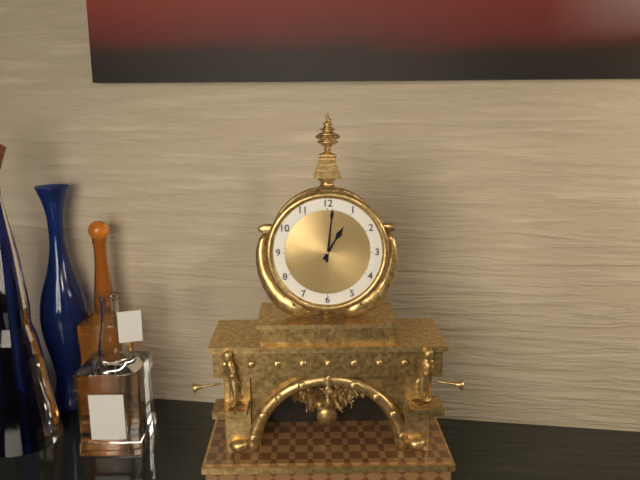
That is 1h01
